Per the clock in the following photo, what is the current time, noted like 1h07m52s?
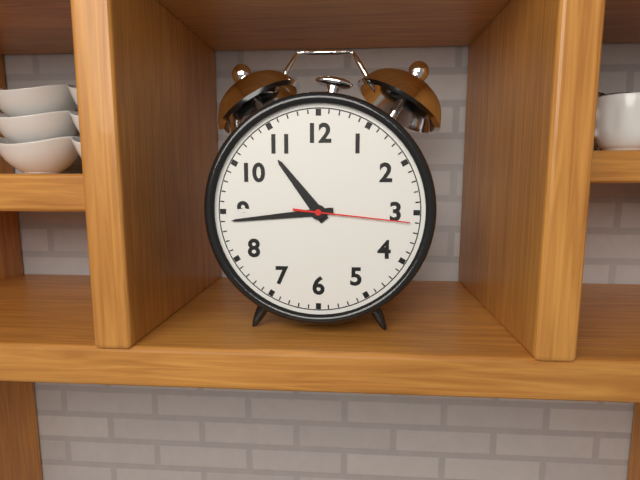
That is 10h44m16s
